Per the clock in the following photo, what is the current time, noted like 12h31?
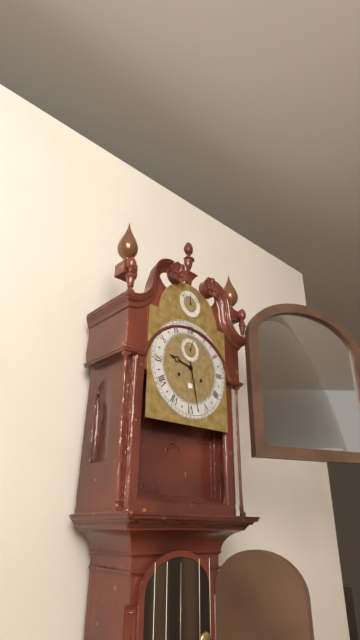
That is 9h28
